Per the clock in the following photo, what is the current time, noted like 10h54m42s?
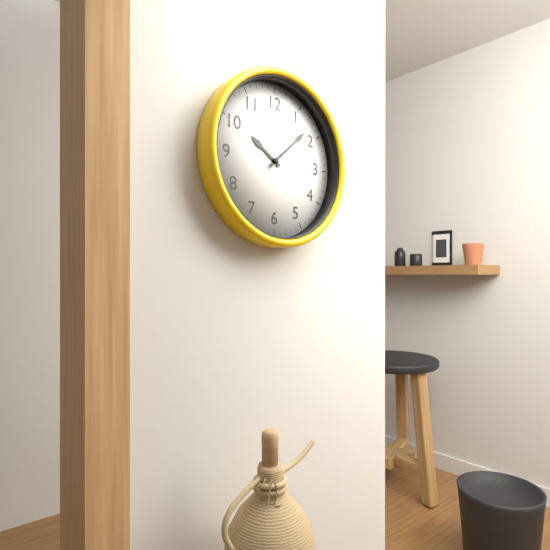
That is 10h08m03s
